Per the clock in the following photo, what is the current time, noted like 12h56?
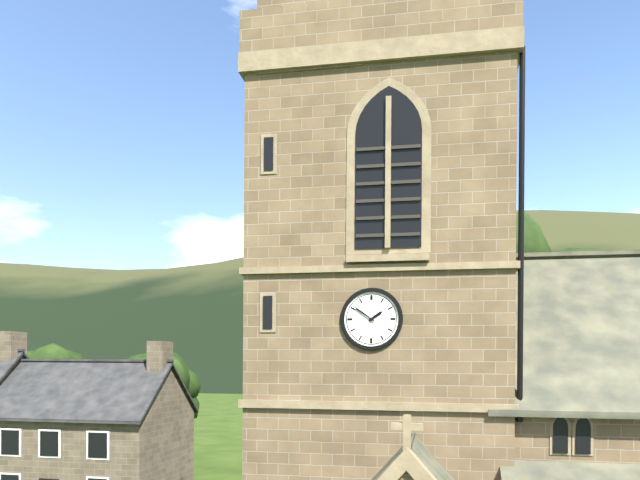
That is 1h51
